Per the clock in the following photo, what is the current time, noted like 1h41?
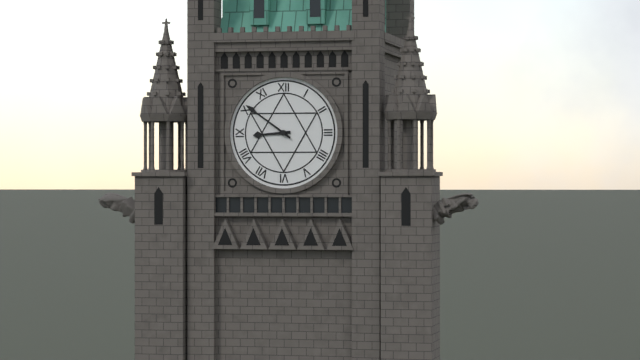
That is 8h51
